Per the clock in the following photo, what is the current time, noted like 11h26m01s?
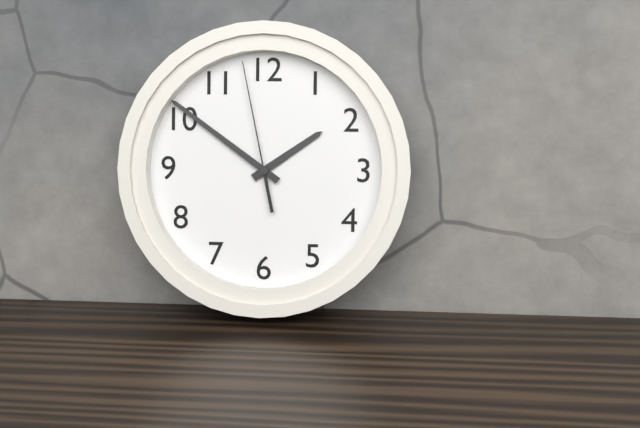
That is 1h51m58s
